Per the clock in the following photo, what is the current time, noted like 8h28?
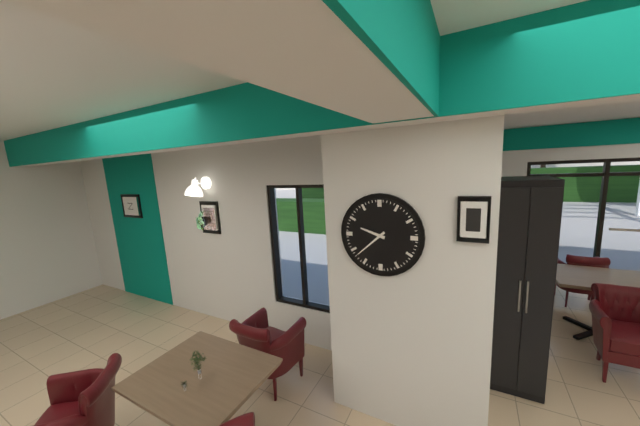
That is 9h38
